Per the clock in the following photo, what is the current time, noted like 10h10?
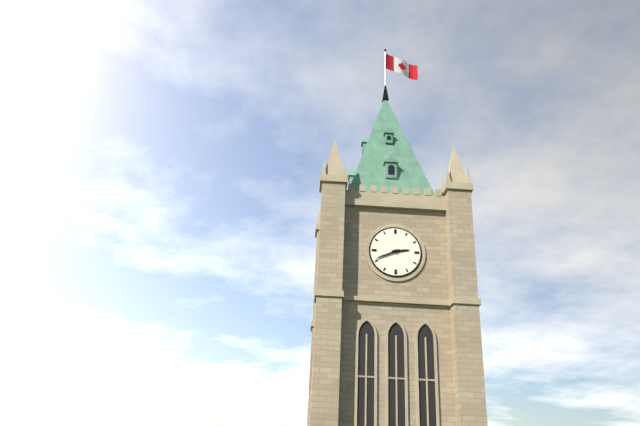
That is 2h41
